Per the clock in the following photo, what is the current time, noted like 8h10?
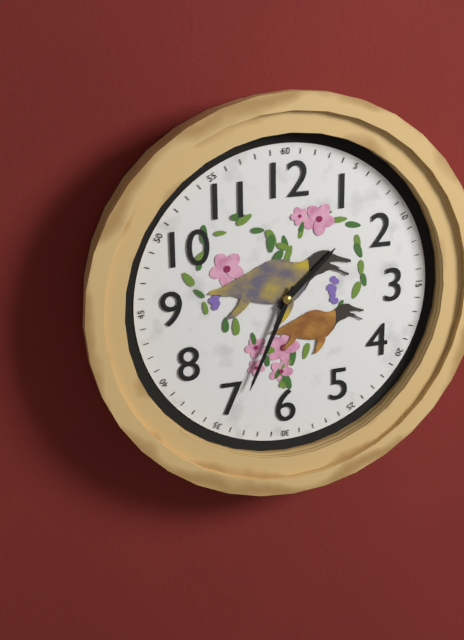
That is 1h34
